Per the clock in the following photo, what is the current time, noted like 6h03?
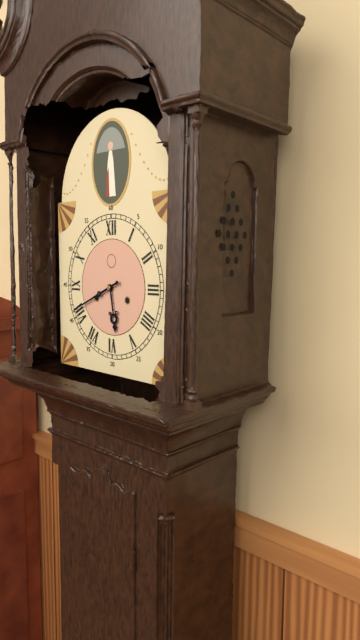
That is 5h41
